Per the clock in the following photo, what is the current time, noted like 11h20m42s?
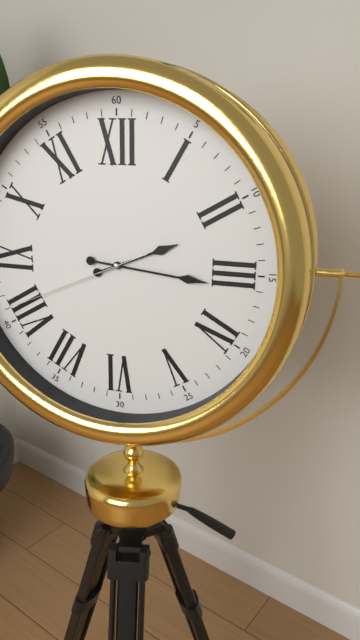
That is 2h16m41s
